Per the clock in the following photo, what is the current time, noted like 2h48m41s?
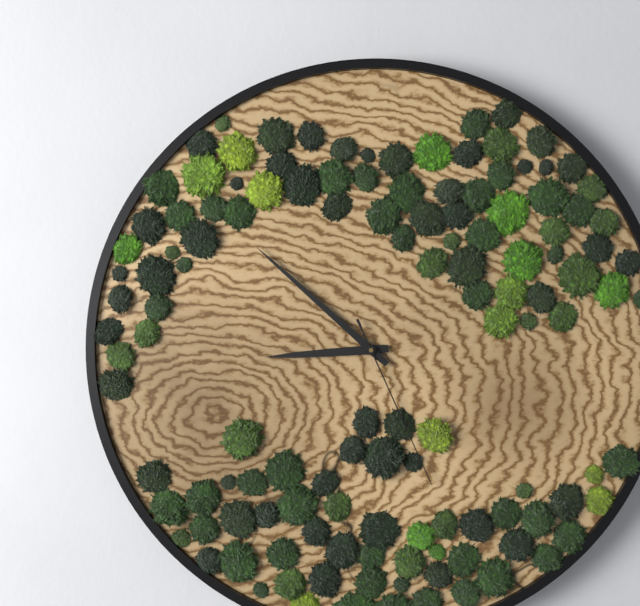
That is 8h52m26s
